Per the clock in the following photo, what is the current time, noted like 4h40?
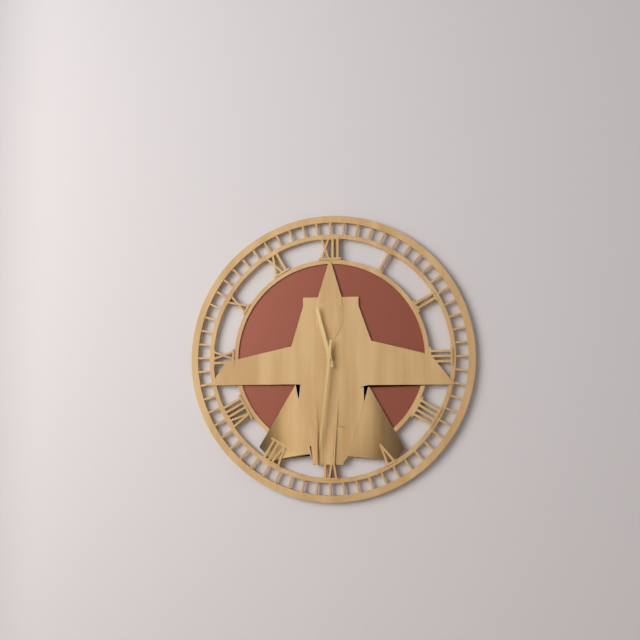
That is 11h31
